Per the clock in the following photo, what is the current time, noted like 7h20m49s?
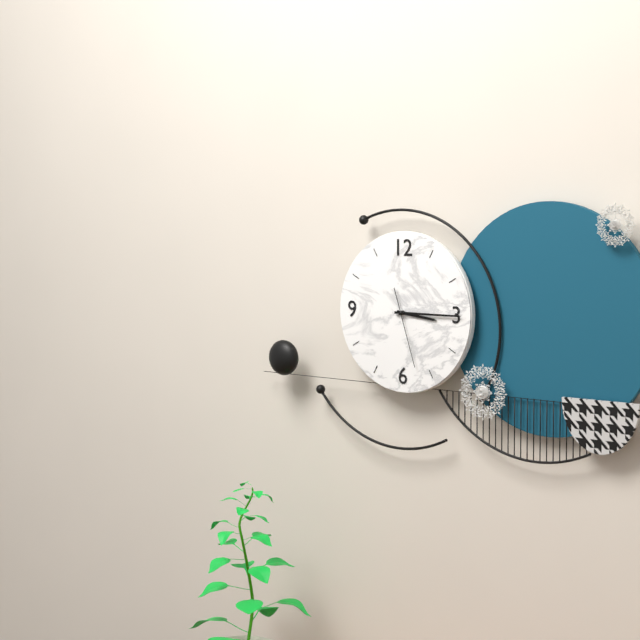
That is 3h15m27s
